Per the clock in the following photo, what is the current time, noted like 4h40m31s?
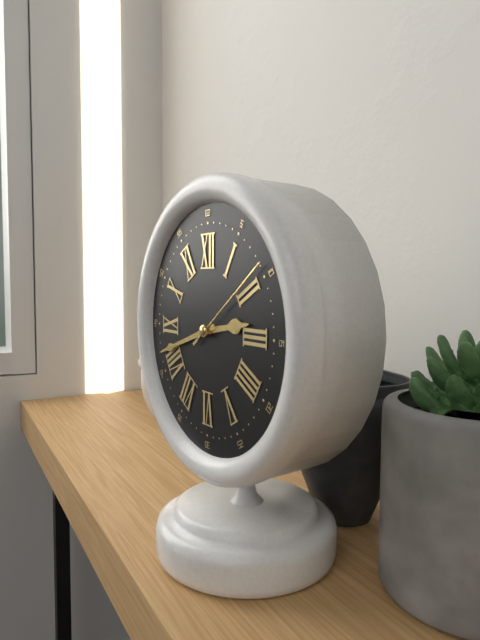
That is 2h42m09s
